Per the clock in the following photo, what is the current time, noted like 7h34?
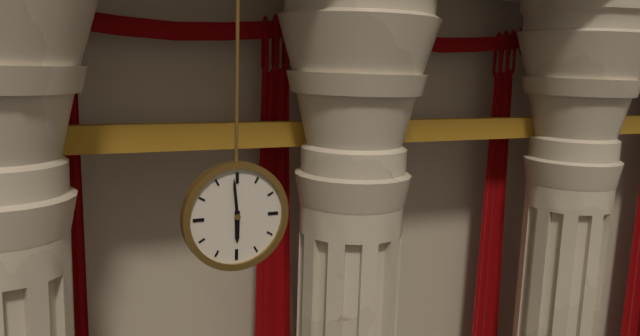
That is 5h59
